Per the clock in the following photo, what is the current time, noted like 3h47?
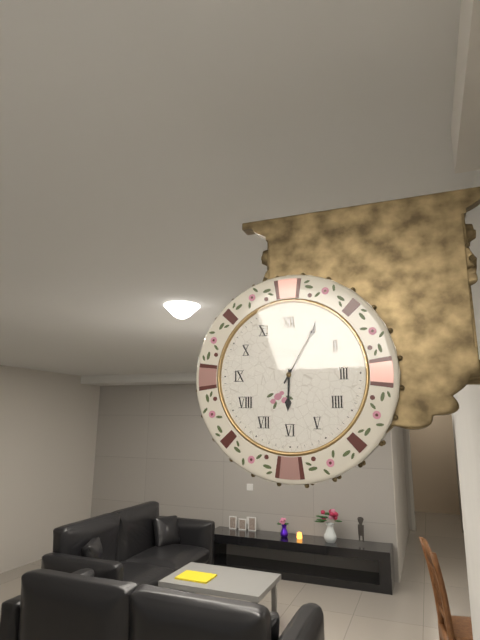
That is 6h05
